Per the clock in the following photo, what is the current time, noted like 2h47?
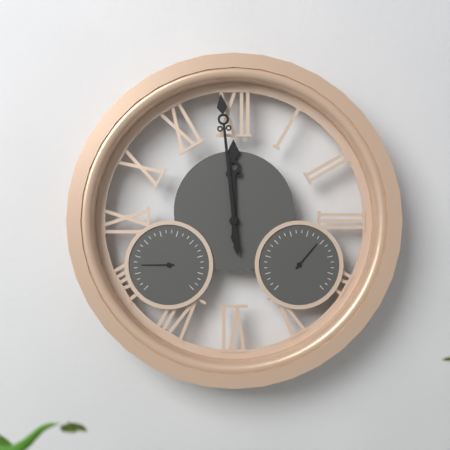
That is 11h59
